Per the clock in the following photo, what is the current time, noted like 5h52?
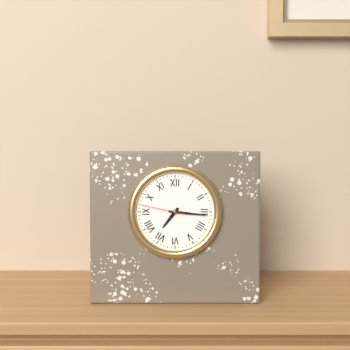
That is 7h16
